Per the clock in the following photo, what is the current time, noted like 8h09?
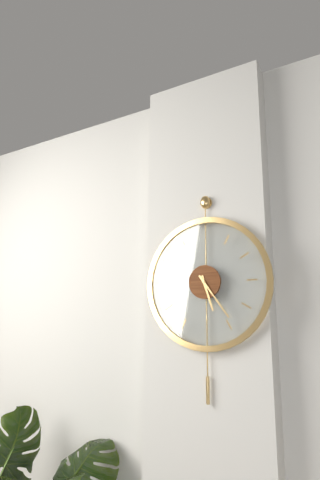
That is 5h24
